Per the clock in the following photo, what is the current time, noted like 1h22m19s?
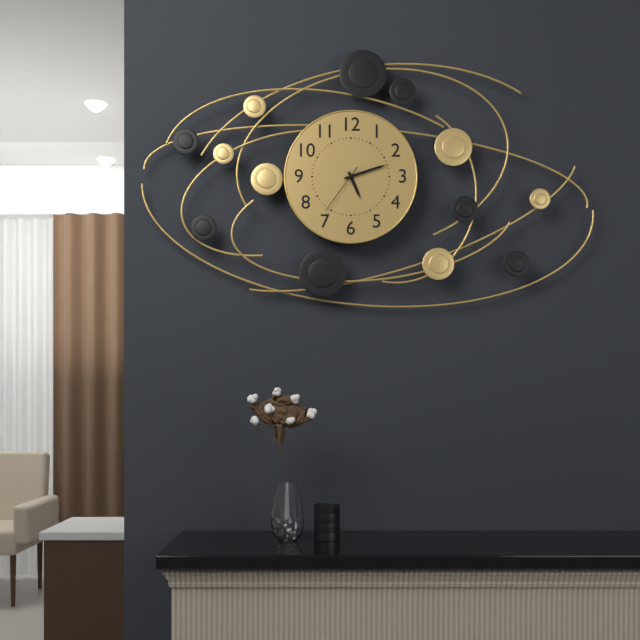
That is 5h12m36s
